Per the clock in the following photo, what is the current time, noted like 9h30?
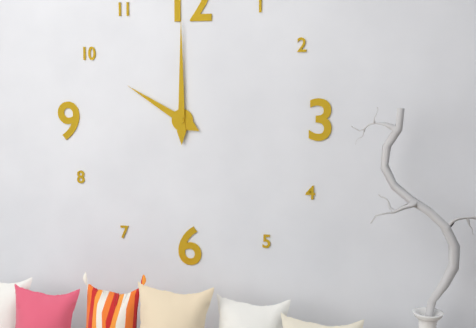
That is 10h00
